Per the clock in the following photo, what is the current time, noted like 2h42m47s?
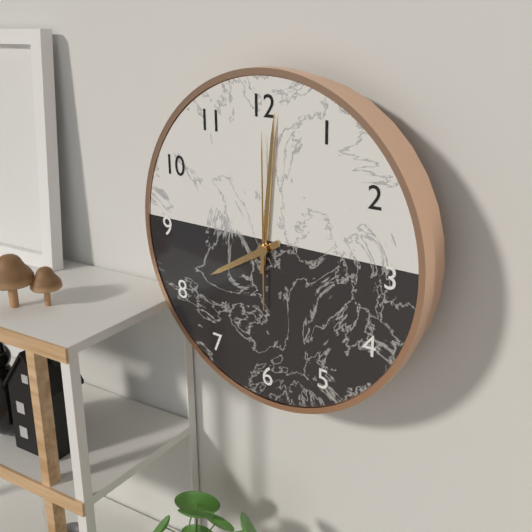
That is 8h01m00s
